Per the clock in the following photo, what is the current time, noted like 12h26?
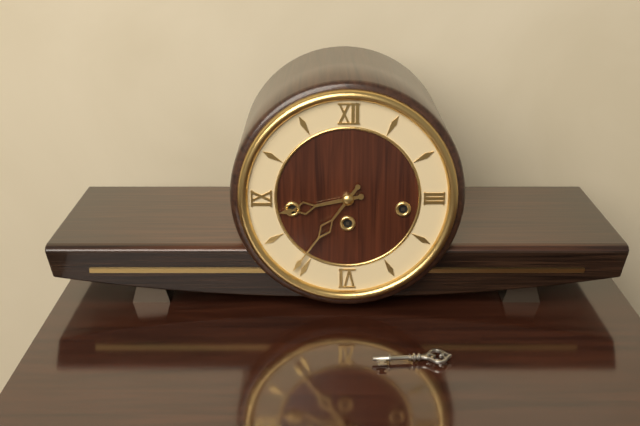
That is 8h36
